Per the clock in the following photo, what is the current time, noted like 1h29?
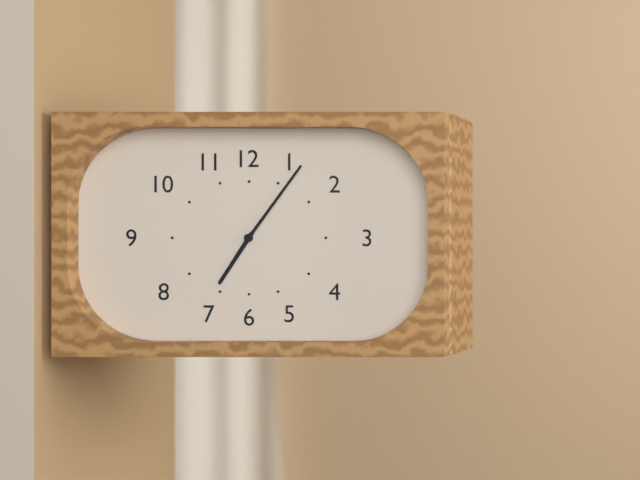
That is 7h06
